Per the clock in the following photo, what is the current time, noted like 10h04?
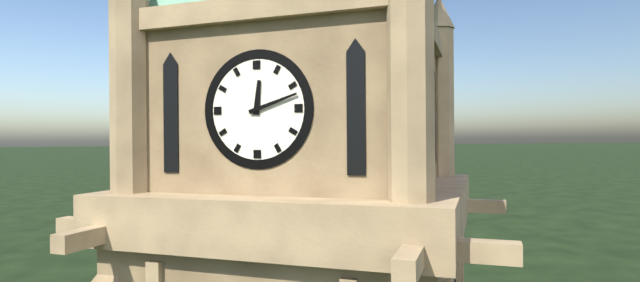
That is 12h12
